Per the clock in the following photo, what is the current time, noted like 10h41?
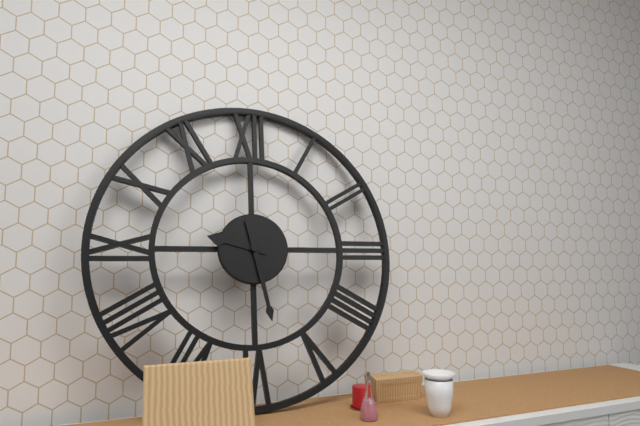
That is 9h28
